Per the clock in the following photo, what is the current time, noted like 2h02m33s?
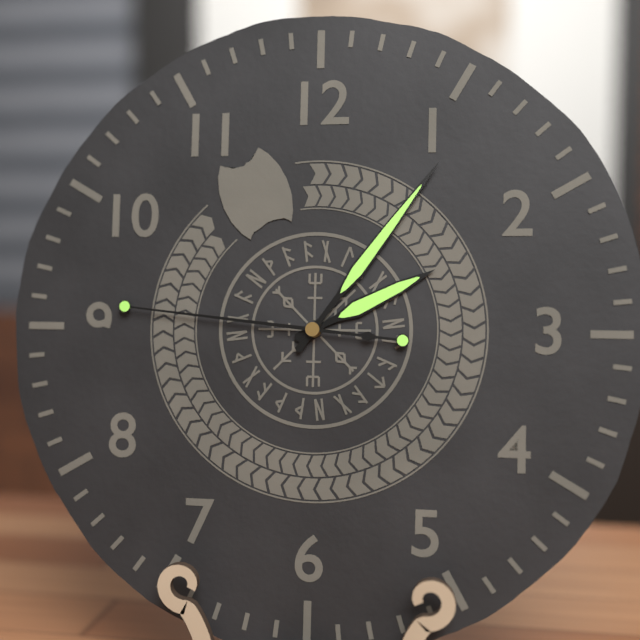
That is 2h06m46s
